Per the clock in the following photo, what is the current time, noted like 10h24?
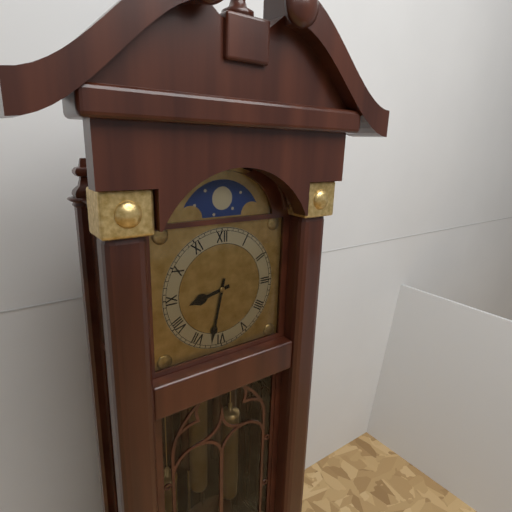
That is 8h32
